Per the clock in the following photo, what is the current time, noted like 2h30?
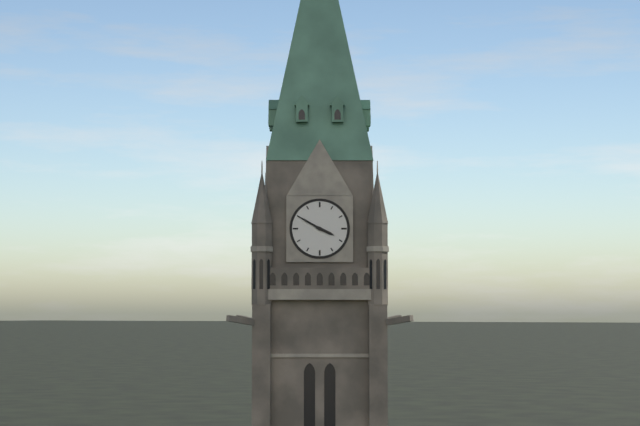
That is 3h50
